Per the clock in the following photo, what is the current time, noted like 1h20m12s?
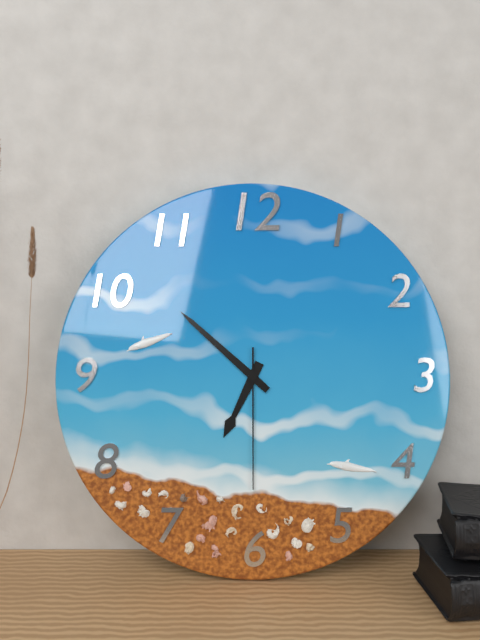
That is 6h52m30s
